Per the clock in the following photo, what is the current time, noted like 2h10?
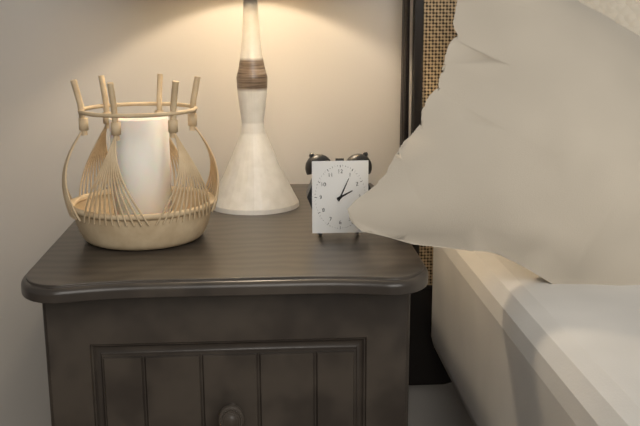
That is 2h04
